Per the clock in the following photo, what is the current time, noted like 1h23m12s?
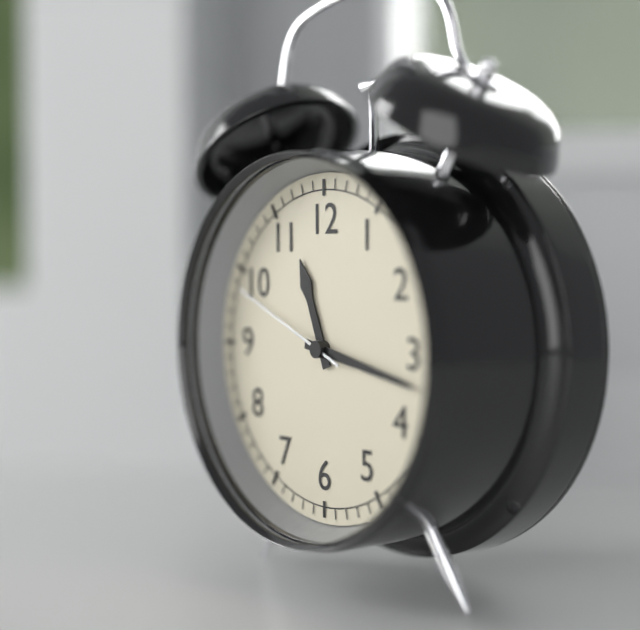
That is 11h17m49s
